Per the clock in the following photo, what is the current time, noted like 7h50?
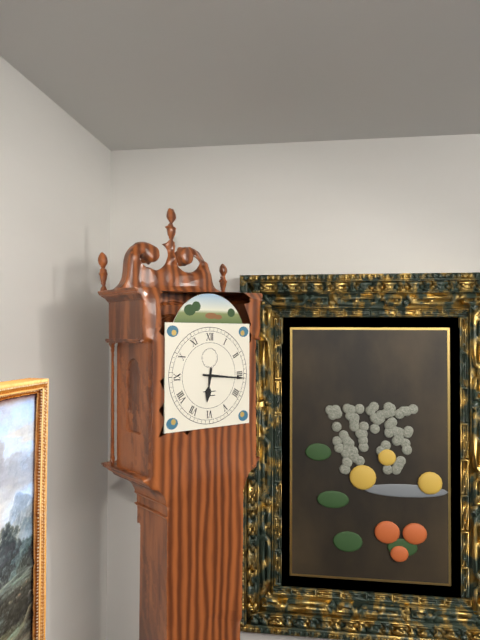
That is 6h16
